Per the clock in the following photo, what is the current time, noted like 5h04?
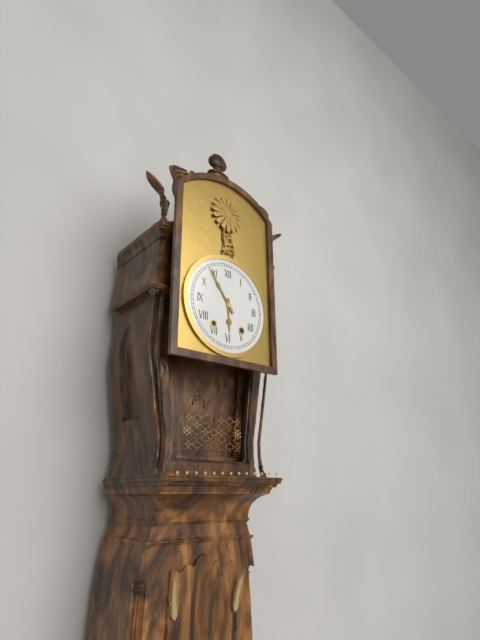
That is 5h54
